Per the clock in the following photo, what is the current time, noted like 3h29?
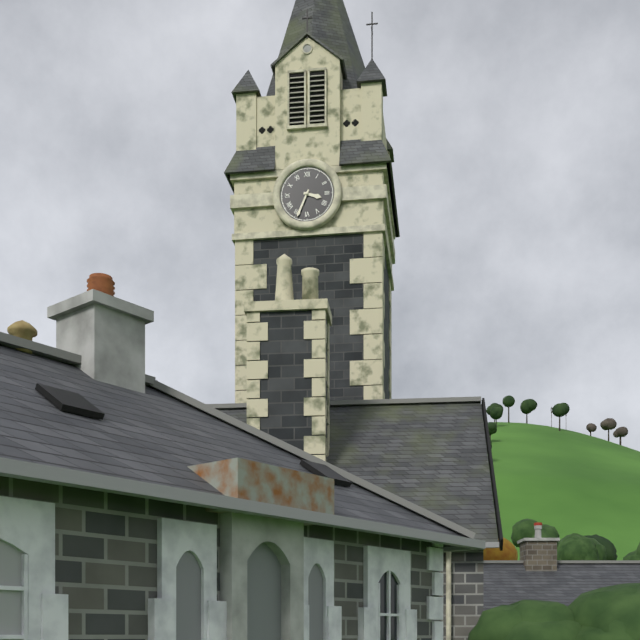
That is 3h34
